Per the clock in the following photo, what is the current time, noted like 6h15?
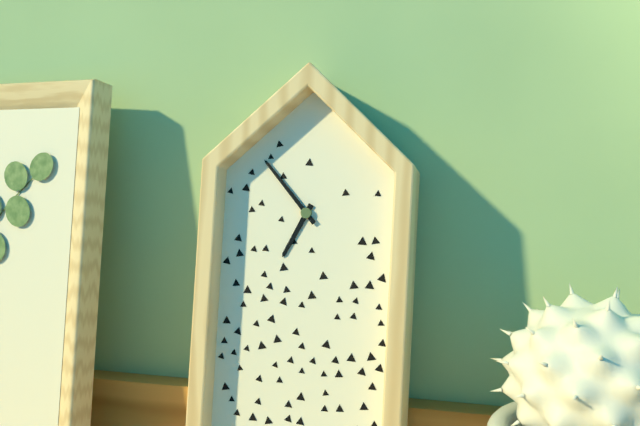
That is 6h53
